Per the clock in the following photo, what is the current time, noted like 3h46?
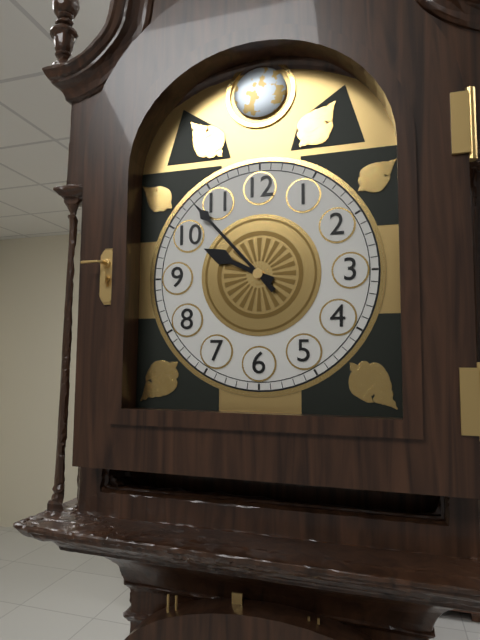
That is 9h53
